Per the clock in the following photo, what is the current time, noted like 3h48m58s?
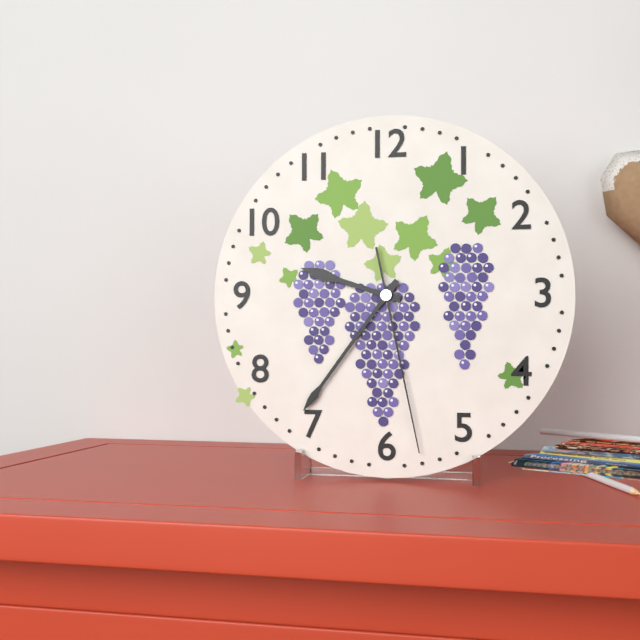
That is 9h36m28s
